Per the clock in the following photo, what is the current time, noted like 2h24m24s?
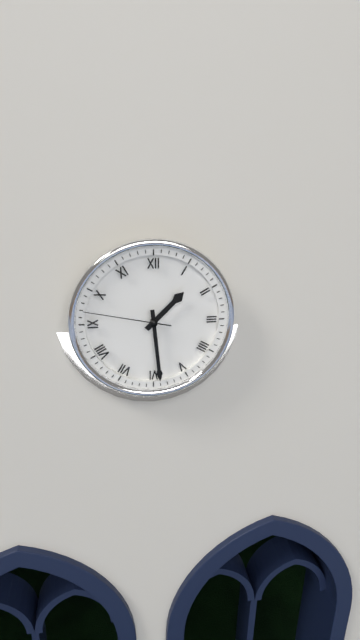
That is 1h29m47s
